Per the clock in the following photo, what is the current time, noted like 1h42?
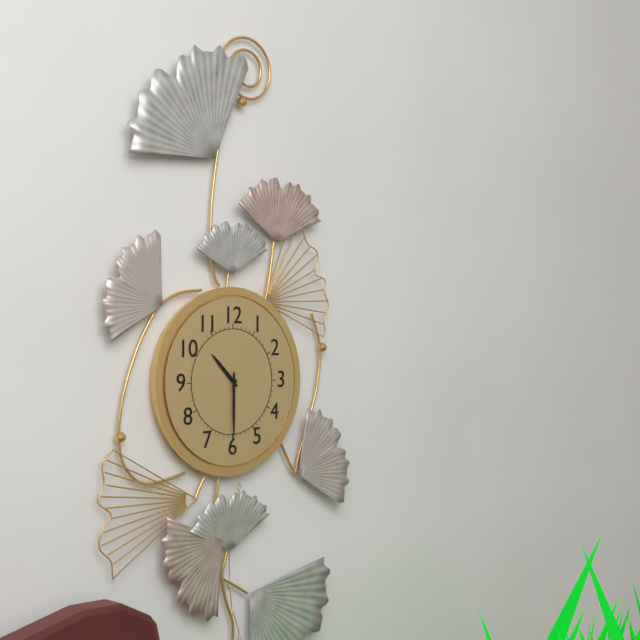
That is 10h30
